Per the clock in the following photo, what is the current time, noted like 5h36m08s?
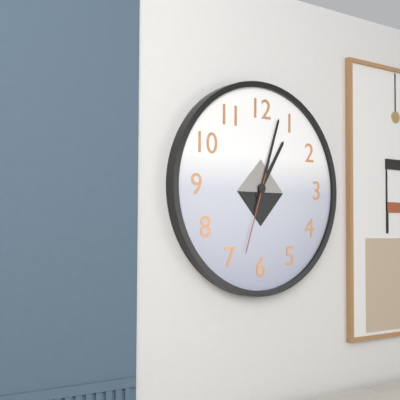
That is 1h03m33s
